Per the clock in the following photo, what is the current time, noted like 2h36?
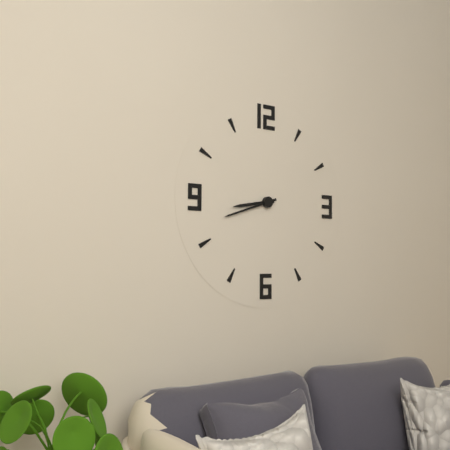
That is 8h42
